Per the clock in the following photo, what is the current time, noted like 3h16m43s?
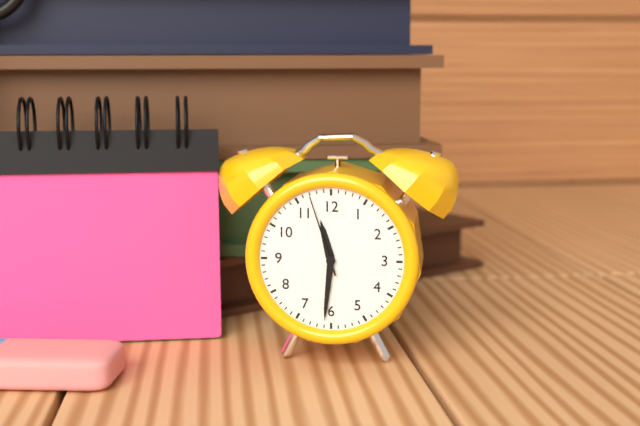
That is 11h31m57s
